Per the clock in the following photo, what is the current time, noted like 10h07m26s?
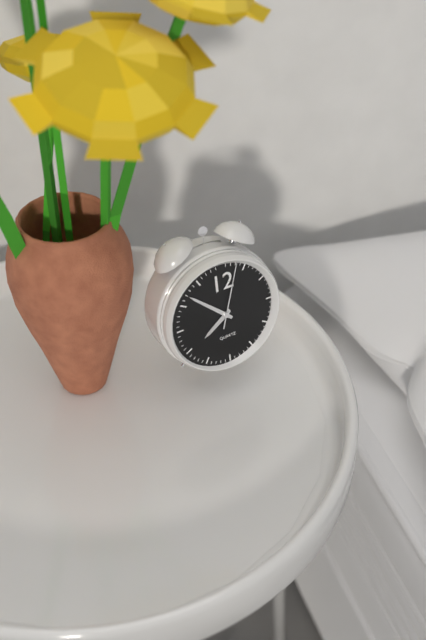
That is 7h52m03s
